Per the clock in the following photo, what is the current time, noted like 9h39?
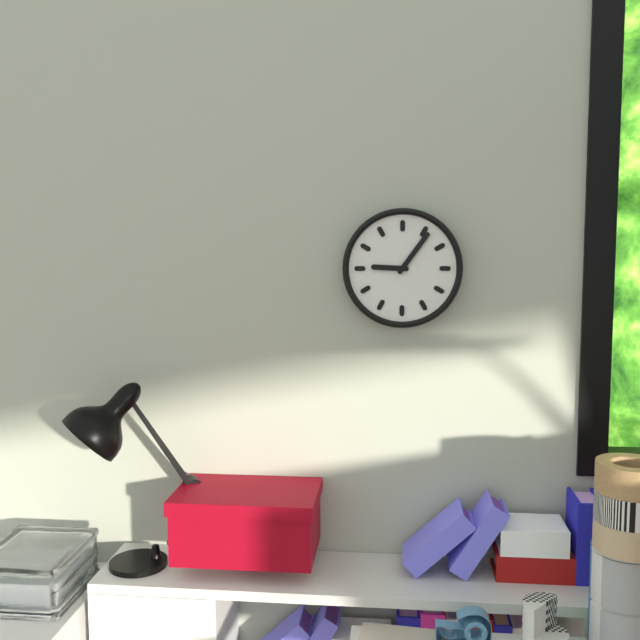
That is 9h06
